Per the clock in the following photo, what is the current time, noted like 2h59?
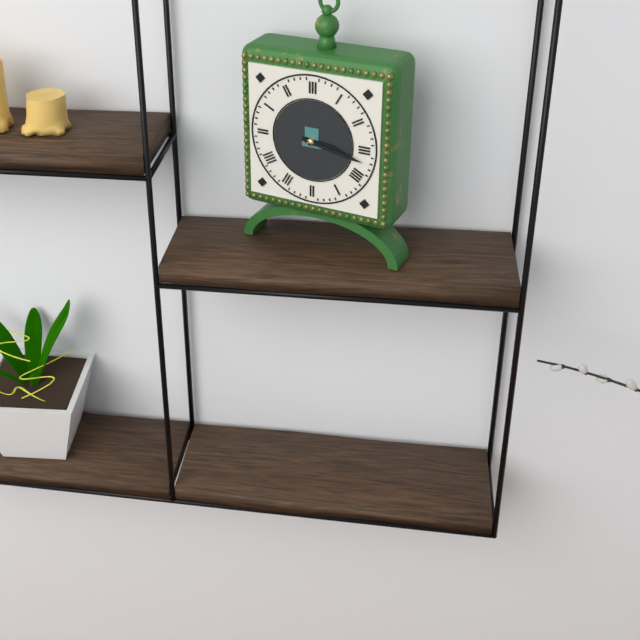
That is 3h17
